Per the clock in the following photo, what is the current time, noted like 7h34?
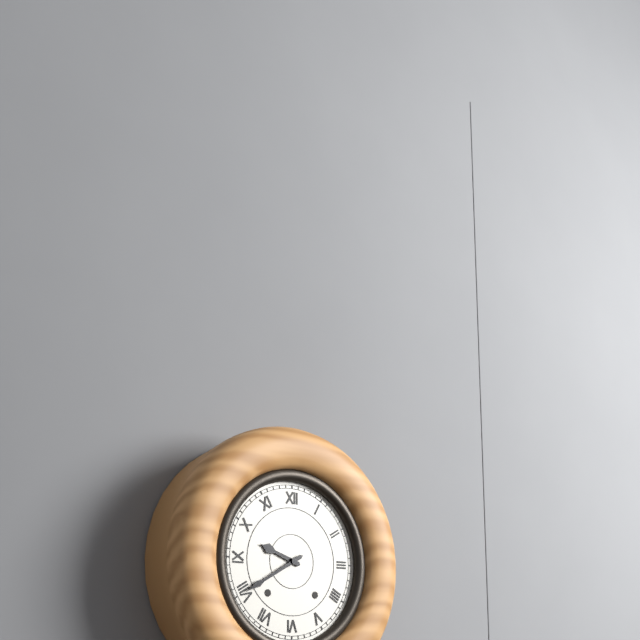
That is 9h40
